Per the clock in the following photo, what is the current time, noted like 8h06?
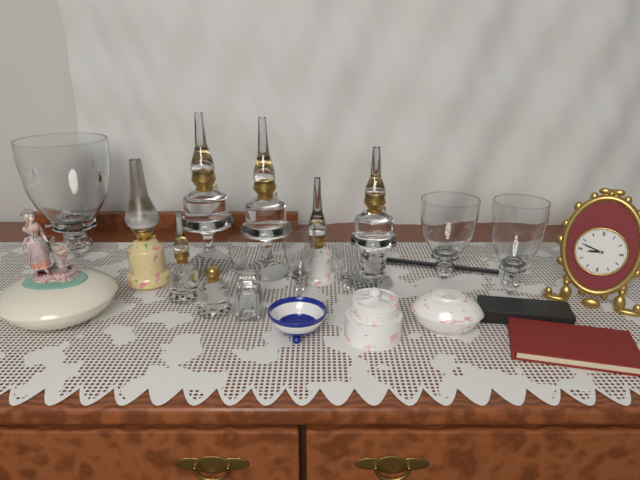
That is 8h48
